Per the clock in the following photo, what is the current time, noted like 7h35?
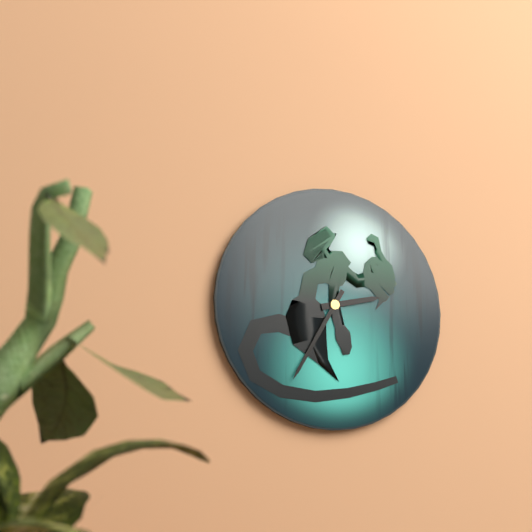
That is 2h35
